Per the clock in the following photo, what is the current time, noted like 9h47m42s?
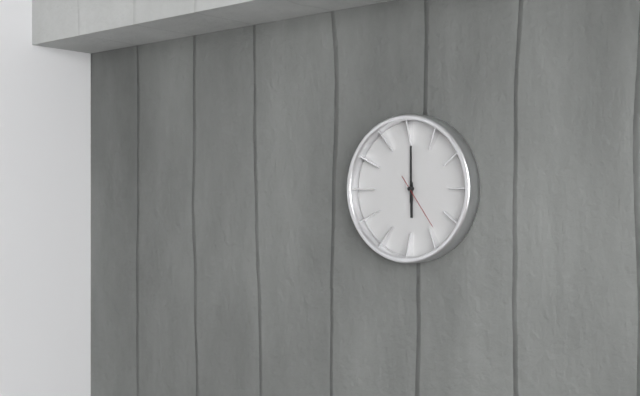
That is 6h00m24s
